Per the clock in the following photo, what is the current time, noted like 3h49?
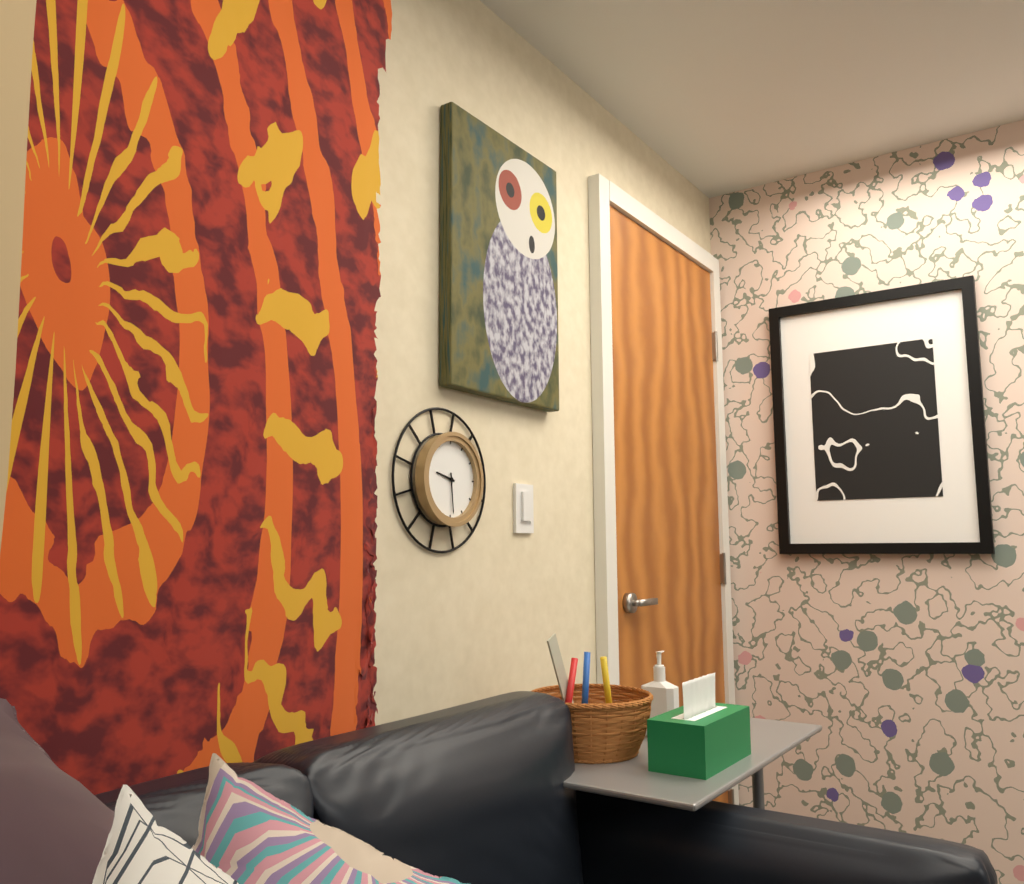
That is 9h29
